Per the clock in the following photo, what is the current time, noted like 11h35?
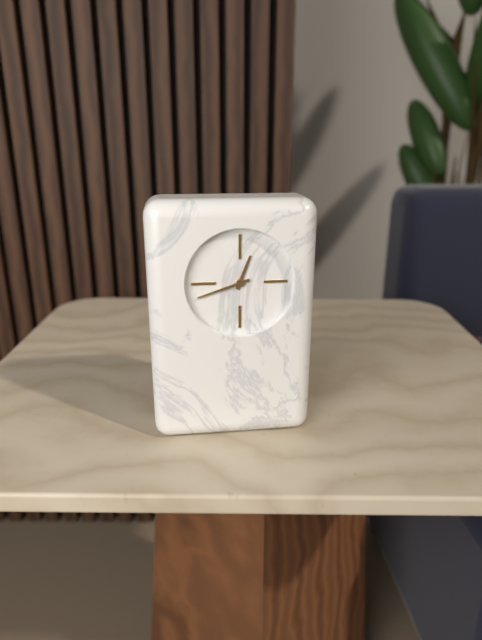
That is 12h42
